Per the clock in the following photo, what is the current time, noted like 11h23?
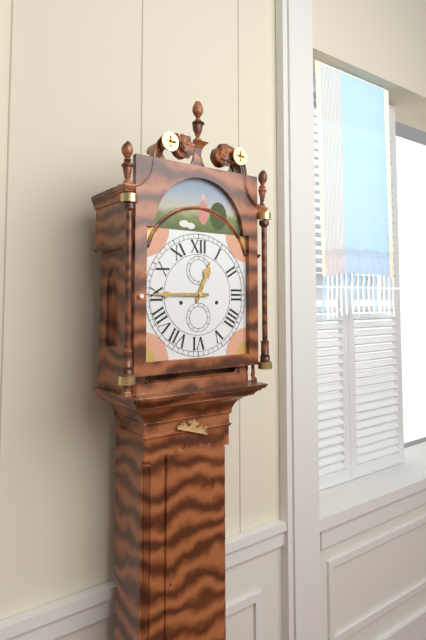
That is 12h45
